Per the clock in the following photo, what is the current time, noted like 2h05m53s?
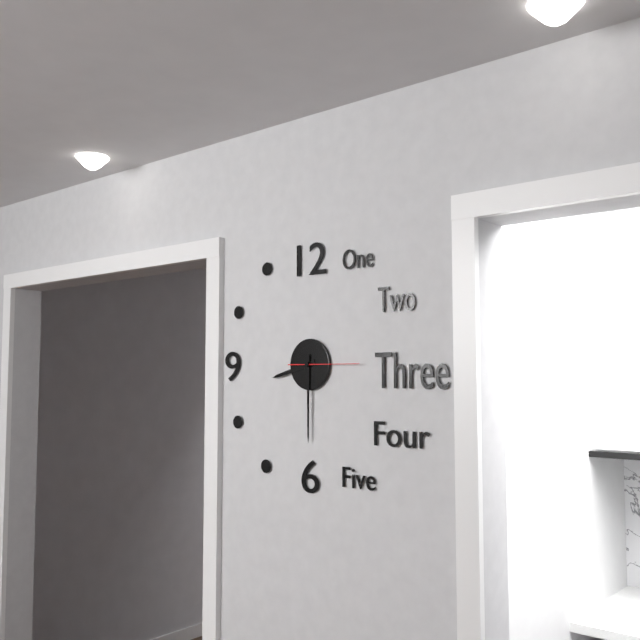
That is 8h30m15s
